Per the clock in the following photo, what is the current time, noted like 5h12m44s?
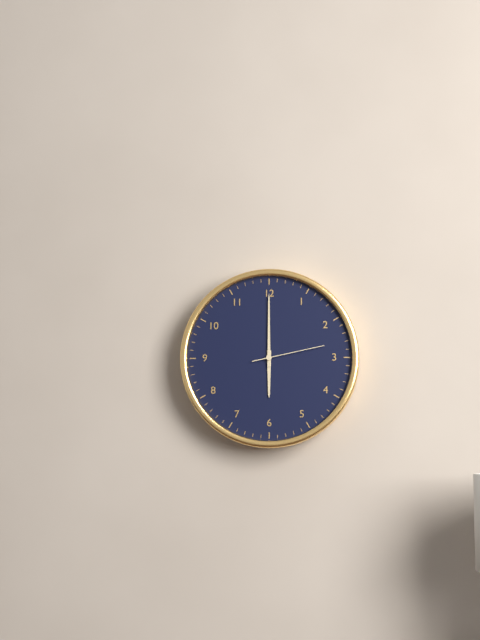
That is 6h00m13s
